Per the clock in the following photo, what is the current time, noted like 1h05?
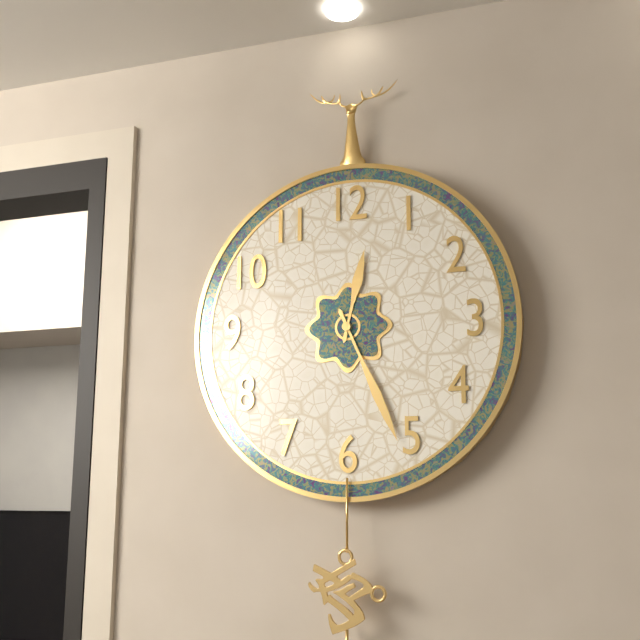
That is 12h26
